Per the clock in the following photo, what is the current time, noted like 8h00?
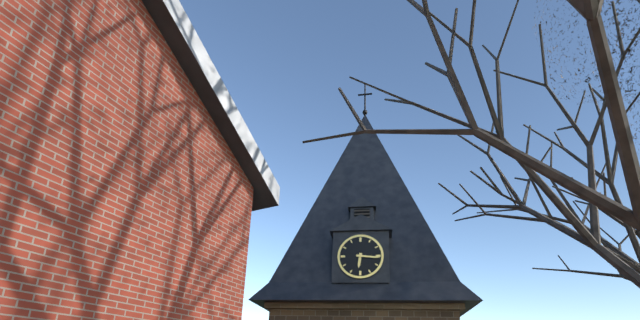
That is 6h16
